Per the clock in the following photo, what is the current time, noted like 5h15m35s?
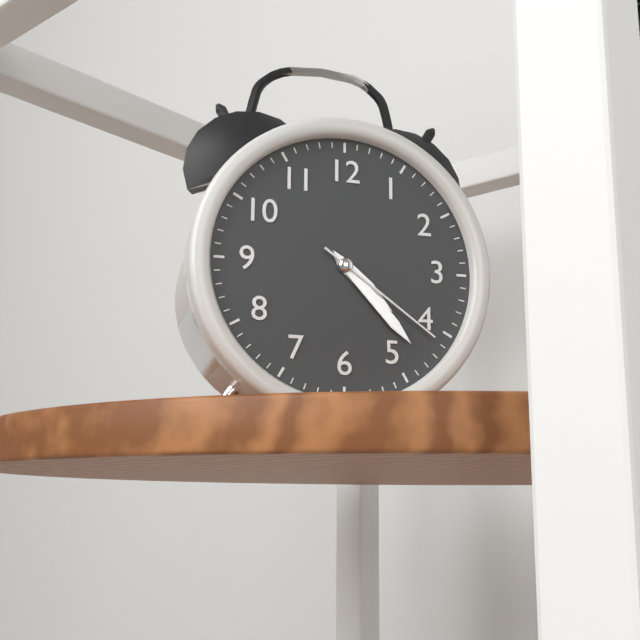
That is 4h23m21s
